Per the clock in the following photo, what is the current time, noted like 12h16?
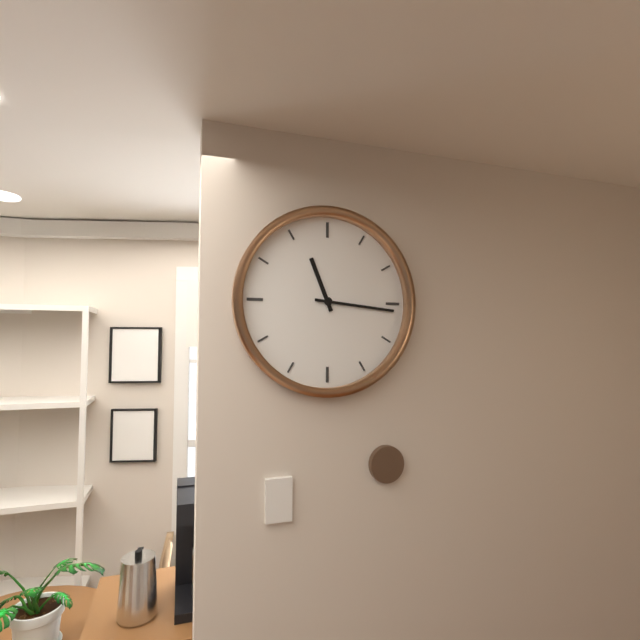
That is 11h16
